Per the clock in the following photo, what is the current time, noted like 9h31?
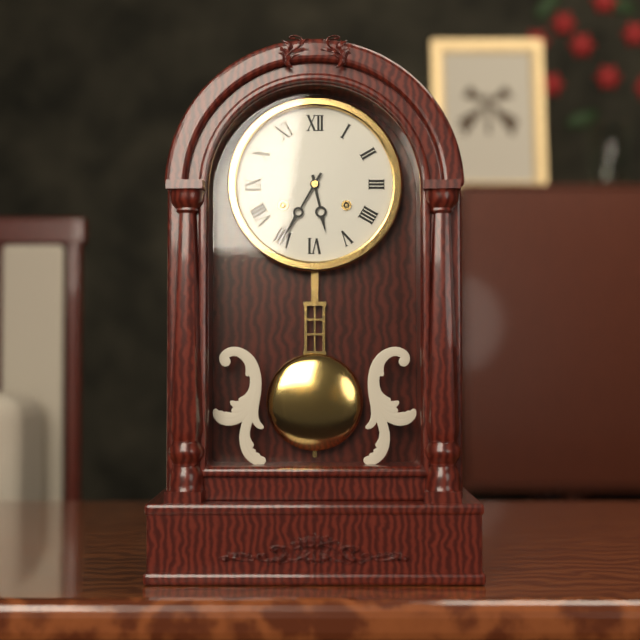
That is 5h35
